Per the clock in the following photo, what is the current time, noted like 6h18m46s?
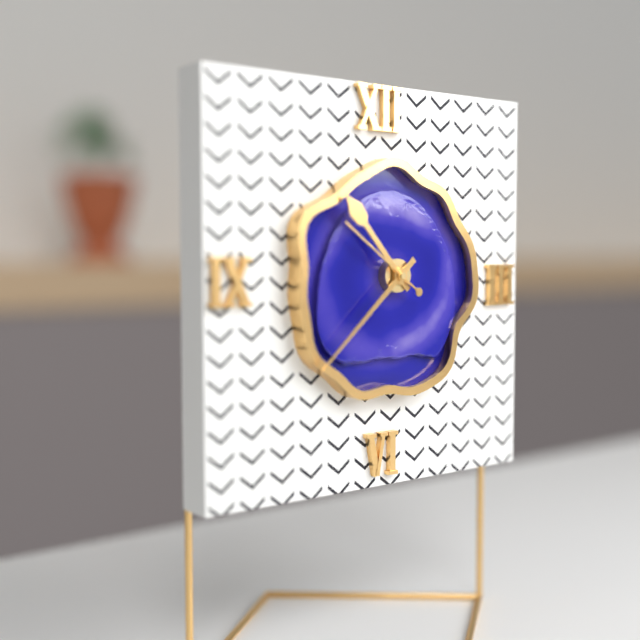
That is 10h38m51s
